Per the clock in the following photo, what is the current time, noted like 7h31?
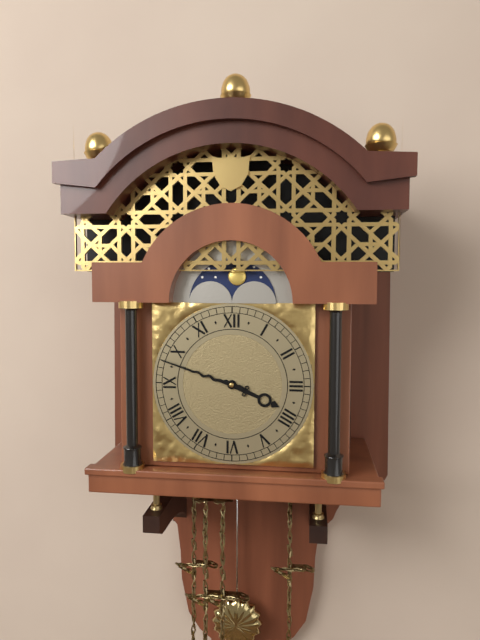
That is 3h48
